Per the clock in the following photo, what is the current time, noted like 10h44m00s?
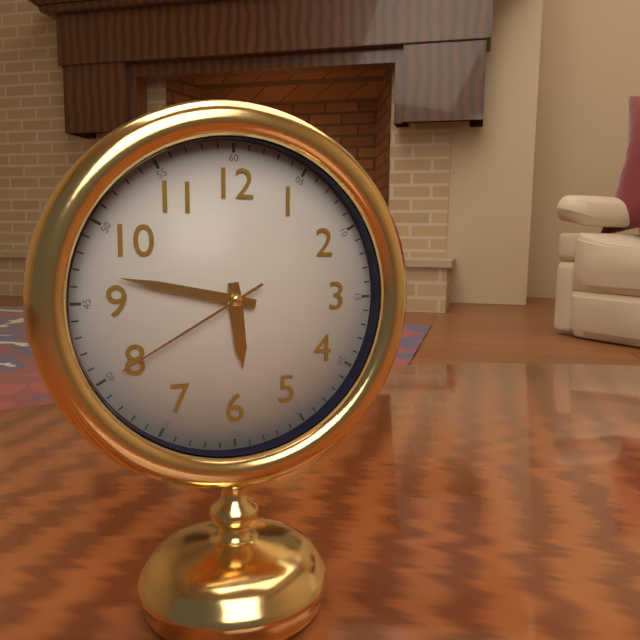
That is 5h47m40s
